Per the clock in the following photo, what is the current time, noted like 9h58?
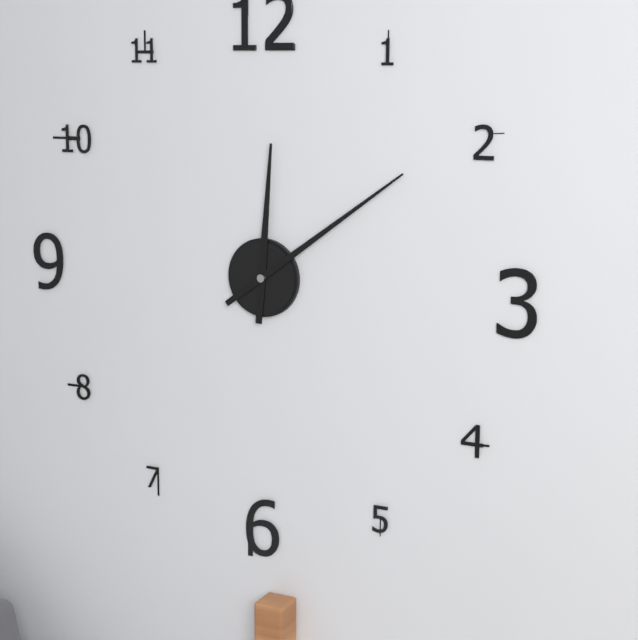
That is 12h09
